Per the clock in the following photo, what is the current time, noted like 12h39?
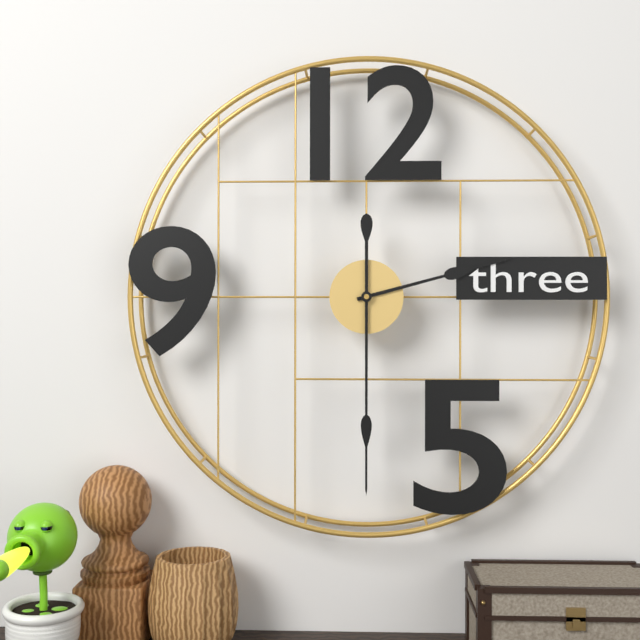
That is 2h30
